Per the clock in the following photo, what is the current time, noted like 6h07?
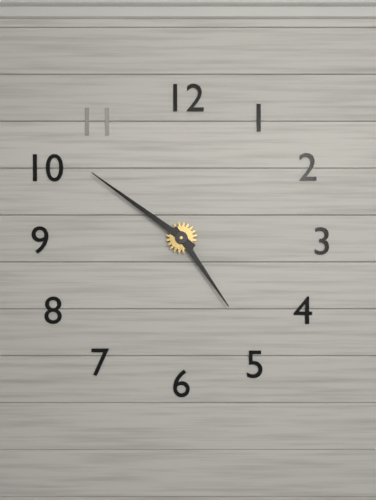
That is 4h51
